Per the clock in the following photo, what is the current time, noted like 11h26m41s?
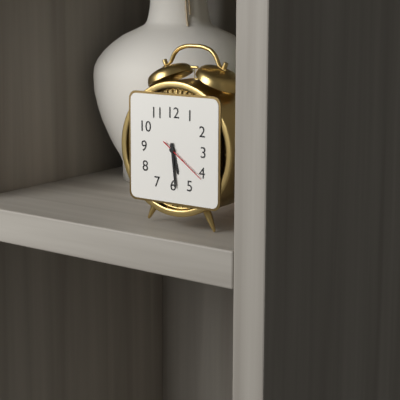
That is 5h29m21s
